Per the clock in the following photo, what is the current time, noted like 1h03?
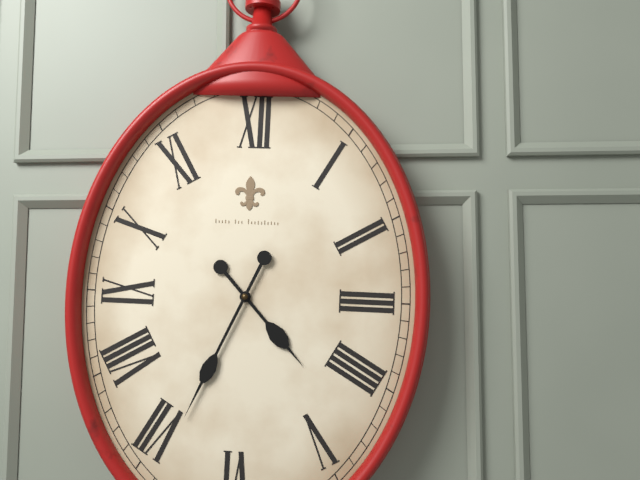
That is 4h34
